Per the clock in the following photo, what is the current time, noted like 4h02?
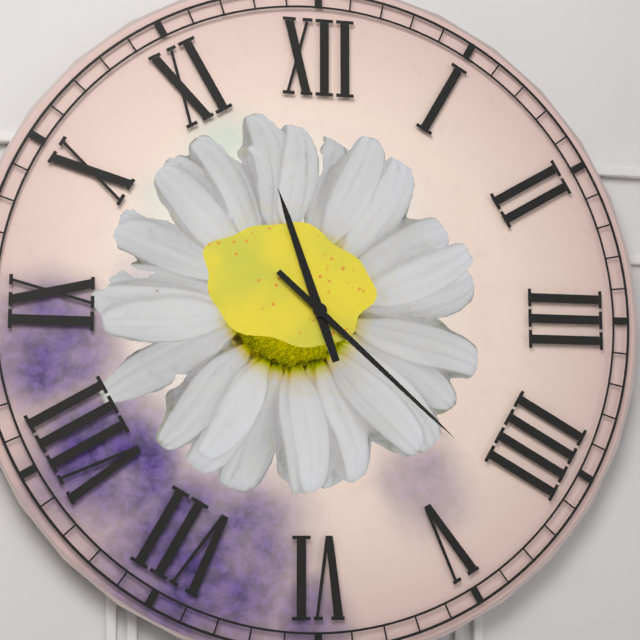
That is 11h22
